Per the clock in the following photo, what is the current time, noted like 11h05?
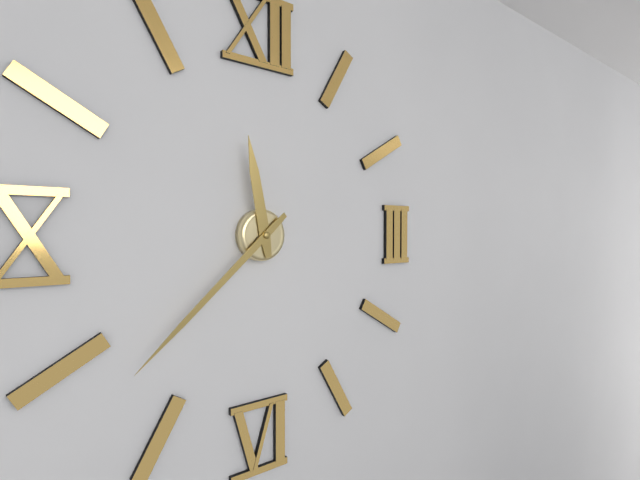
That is 11h38
